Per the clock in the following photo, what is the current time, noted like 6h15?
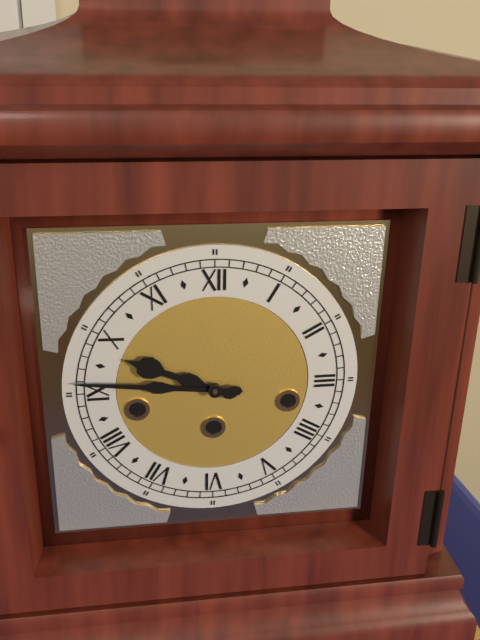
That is 9h46
